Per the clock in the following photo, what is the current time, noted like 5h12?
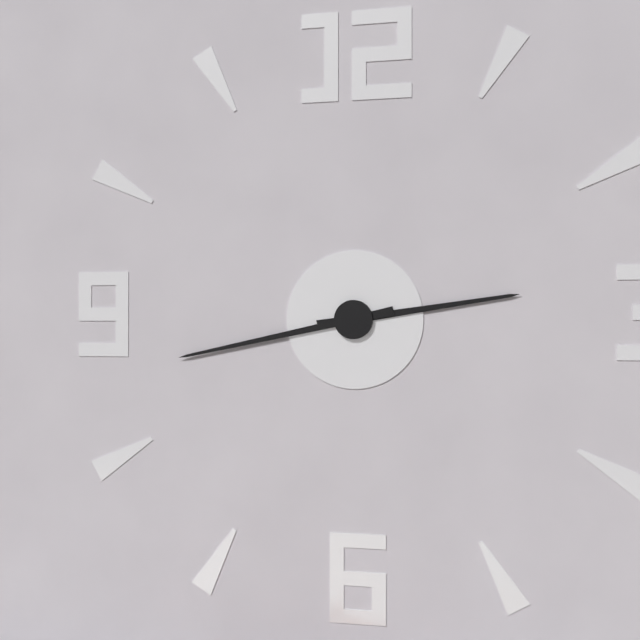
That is 2h43
